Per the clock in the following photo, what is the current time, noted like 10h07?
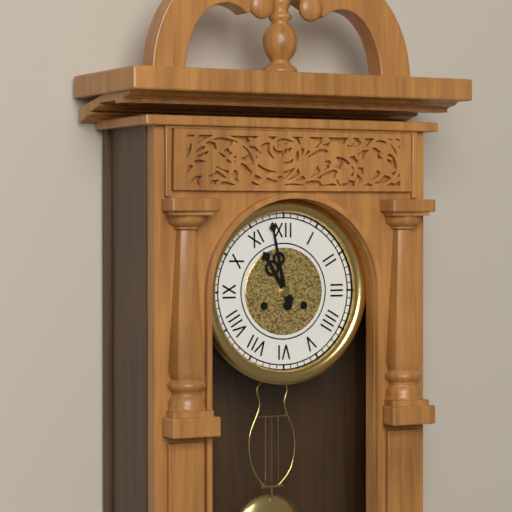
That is 10h58
